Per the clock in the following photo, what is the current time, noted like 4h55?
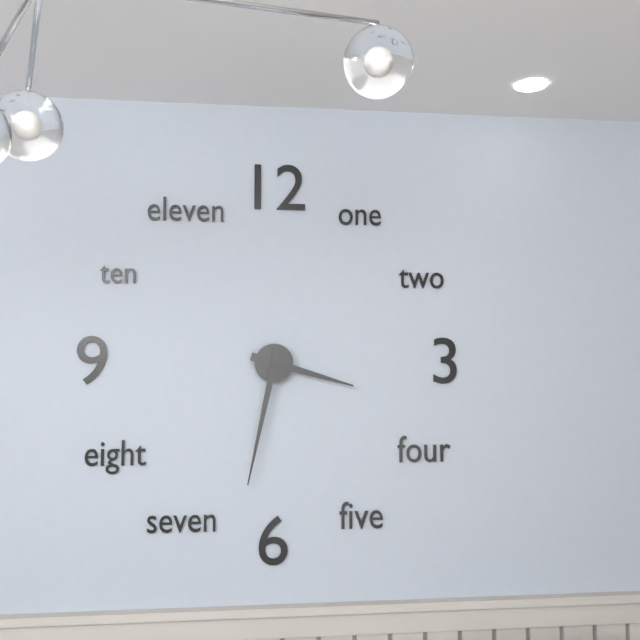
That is 3h32
